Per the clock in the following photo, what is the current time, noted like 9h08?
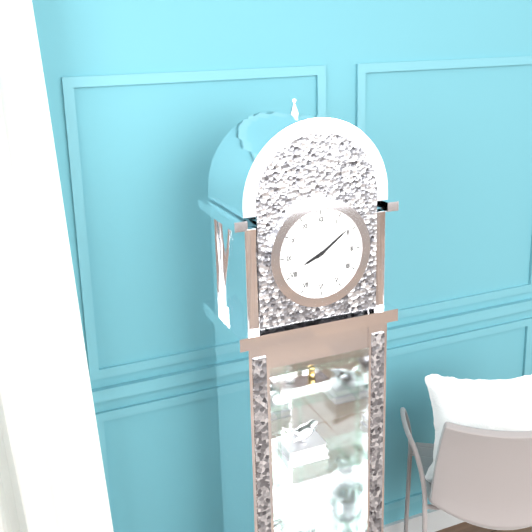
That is 8h09
